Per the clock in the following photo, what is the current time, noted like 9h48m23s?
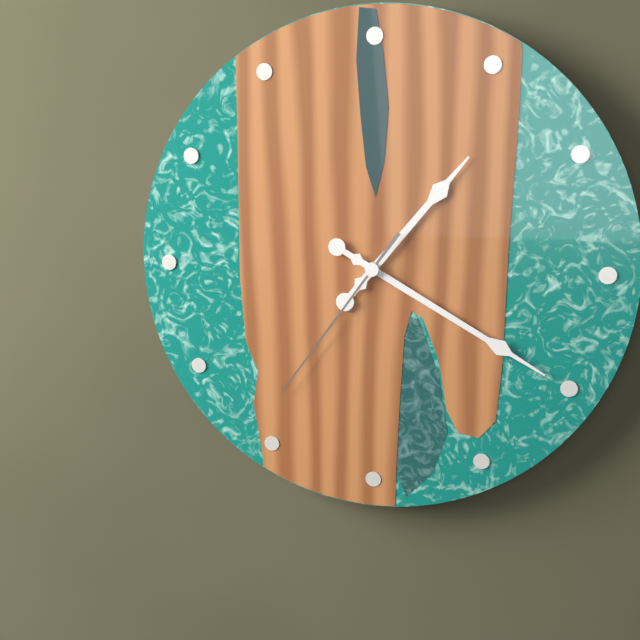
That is 1h20m36s
